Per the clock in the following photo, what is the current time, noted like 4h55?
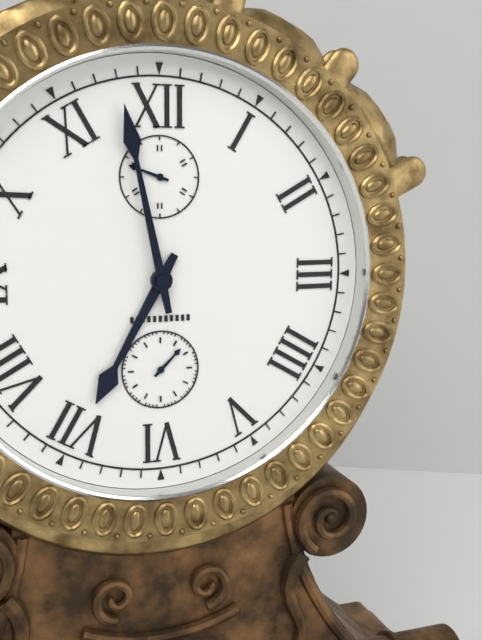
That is 6h58
